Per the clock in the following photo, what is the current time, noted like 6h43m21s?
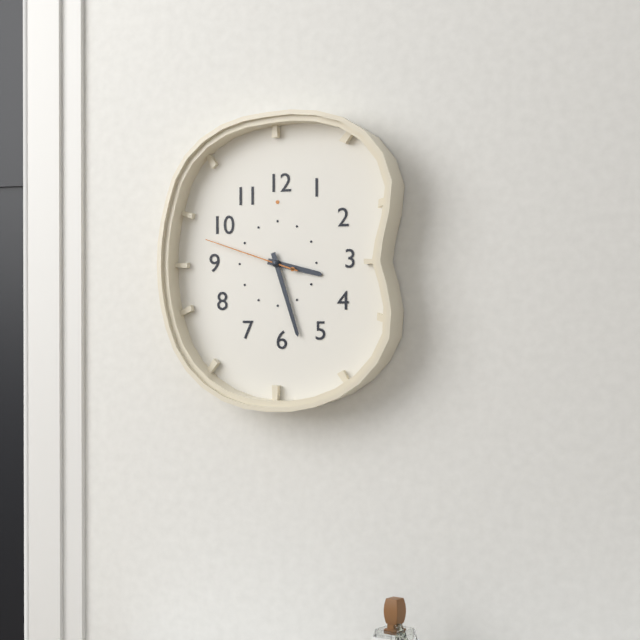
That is 3h27m48s
